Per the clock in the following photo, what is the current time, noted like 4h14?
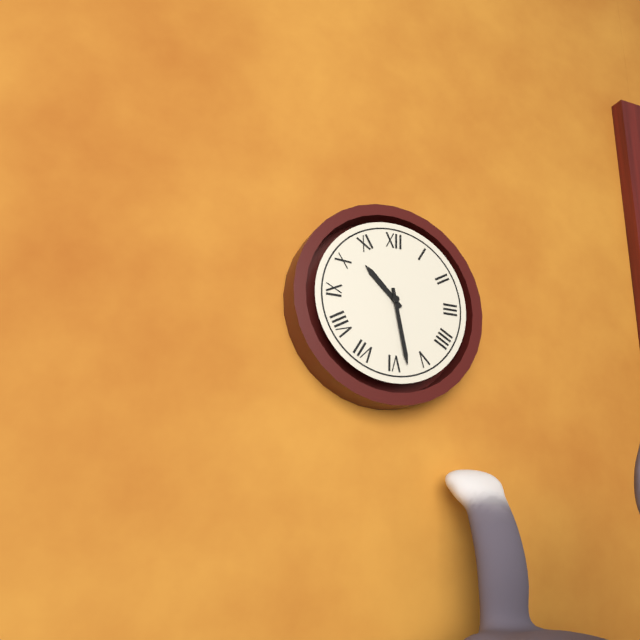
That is 10h28
